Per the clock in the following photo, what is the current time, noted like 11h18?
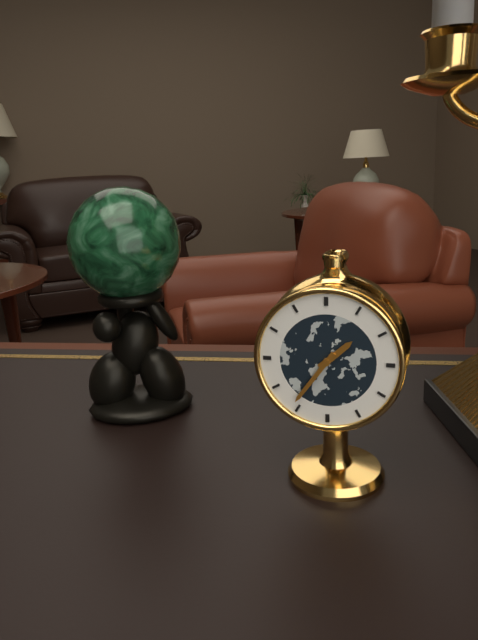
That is 1h36
